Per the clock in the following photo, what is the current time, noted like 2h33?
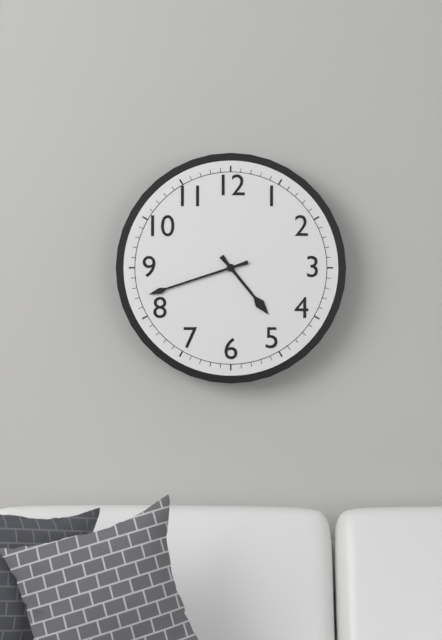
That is 4h42
